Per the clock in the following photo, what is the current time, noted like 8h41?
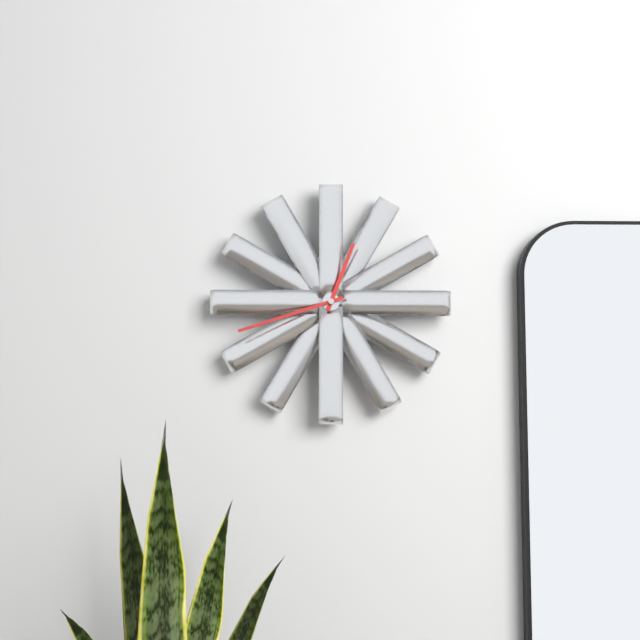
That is 12h42
